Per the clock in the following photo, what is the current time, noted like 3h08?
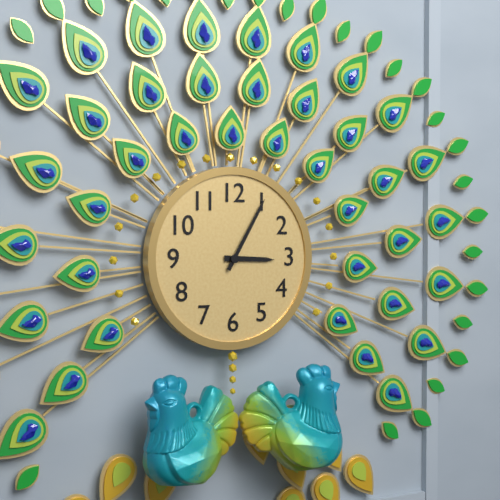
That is 3h05
